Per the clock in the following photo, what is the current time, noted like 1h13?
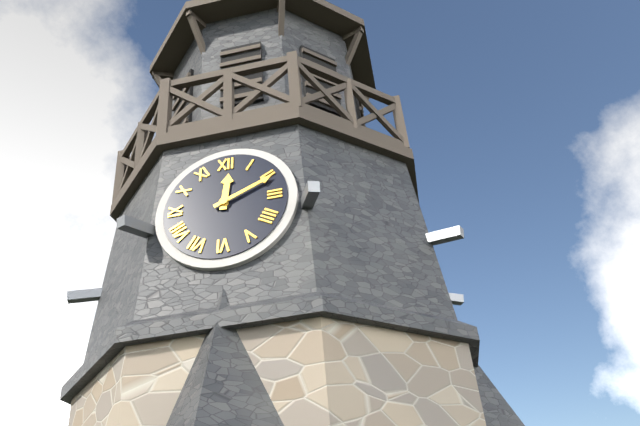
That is 12h11
